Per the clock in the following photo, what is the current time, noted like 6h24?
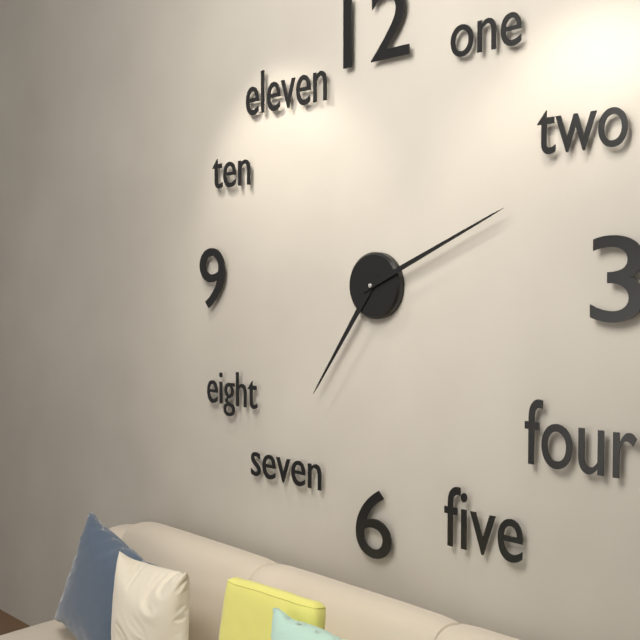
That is 7h11
